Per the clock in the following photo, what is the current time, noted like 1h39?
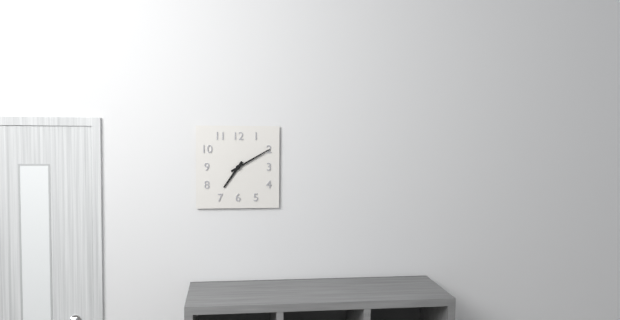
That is 7h10
